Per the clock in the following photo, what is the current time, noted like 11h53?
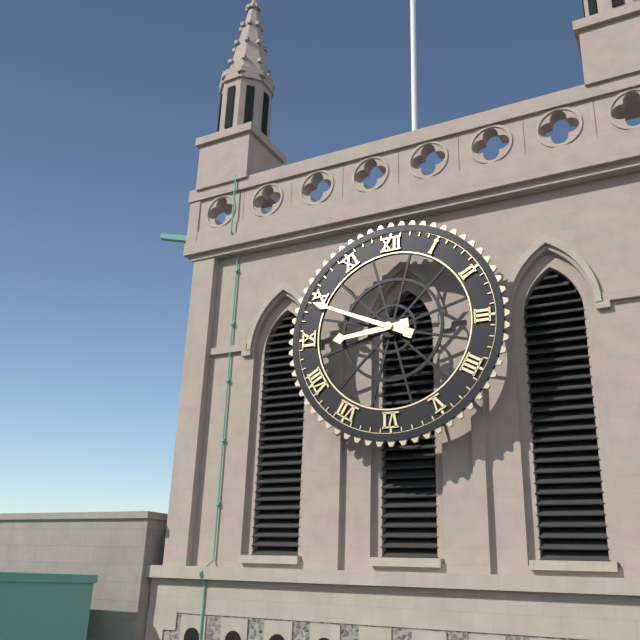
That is 8h49
